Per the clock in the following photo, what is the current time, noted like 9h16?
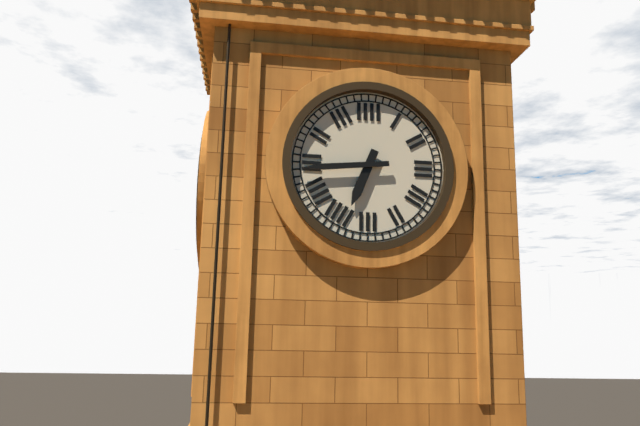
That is 6h44
